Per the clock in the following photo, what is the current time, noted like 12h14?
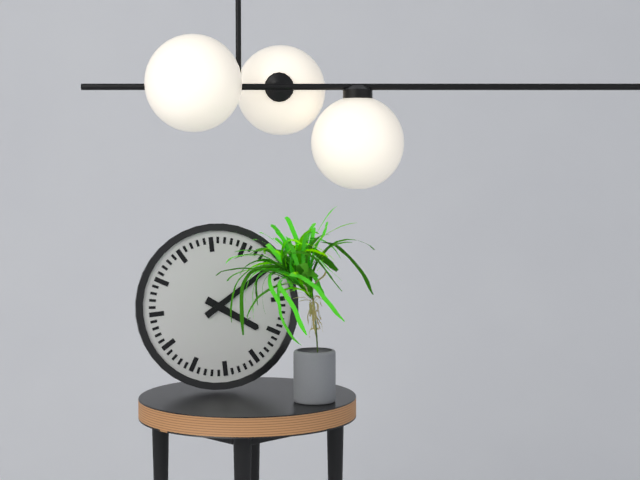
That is 4h10
